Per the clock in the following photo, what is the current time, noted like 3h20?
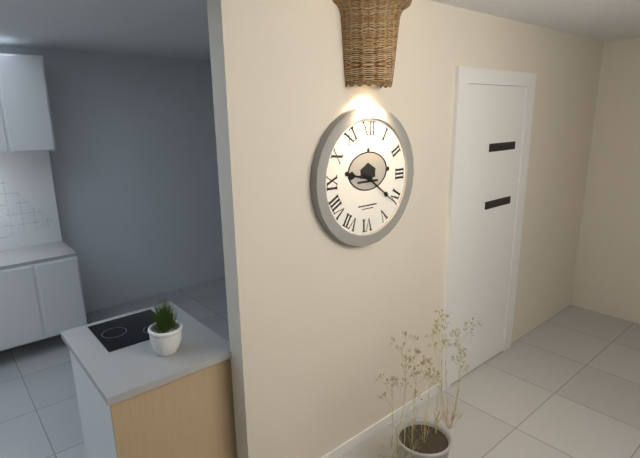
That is 9h21
